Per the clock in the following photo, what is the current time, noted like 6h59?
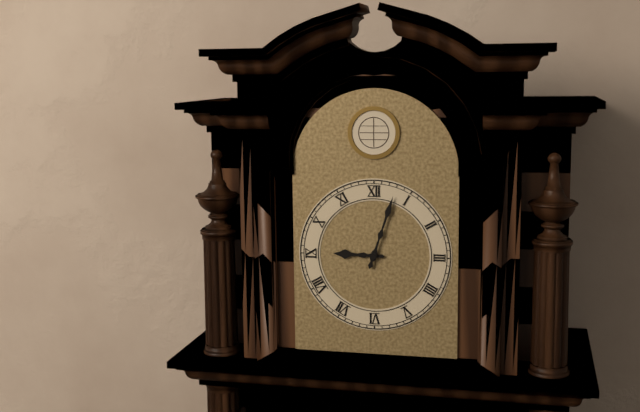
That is 9h03
